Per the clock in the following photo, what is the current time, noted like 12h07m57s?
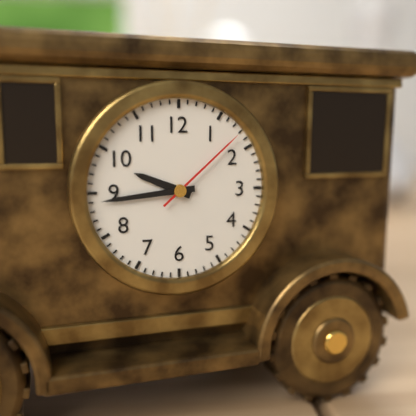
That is 9h44m08s
